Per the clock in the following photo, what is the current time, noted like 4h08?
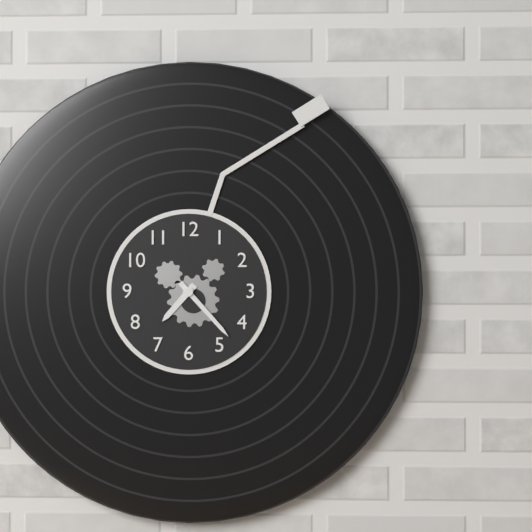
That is 7h23
